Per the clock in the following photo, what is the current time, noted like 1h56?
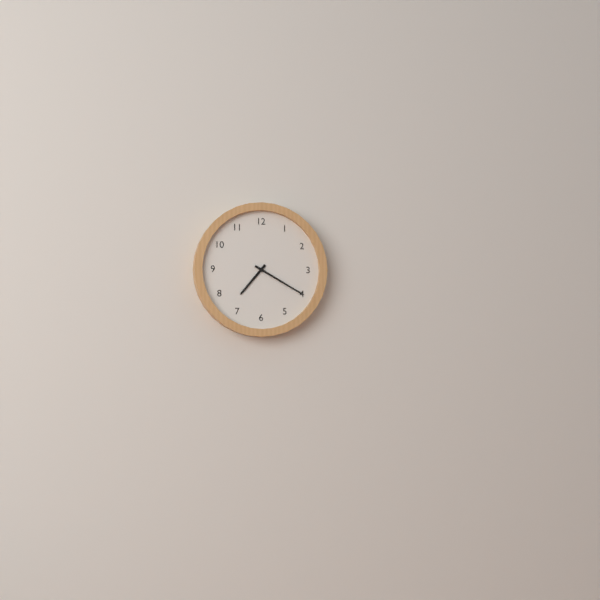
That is 7h20
